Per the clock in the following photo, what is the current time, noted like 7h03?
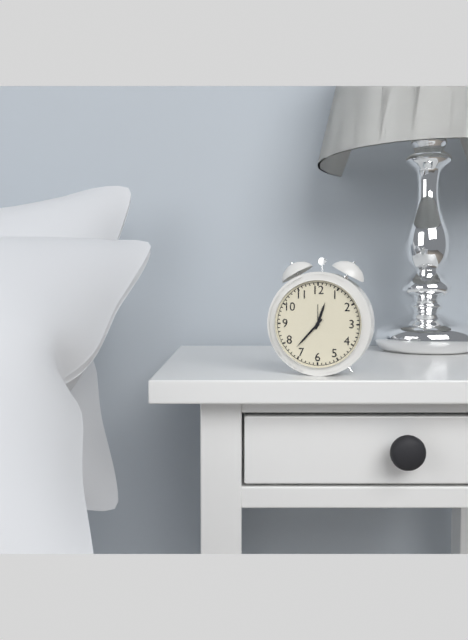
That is 12h37
